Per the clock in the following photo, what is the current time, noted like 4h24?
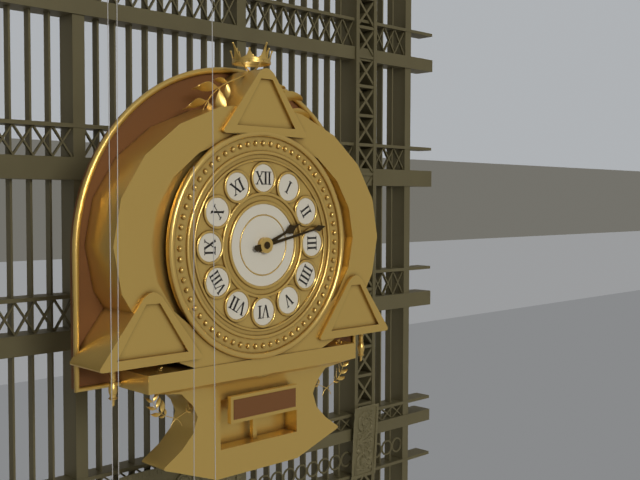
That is 2h13
